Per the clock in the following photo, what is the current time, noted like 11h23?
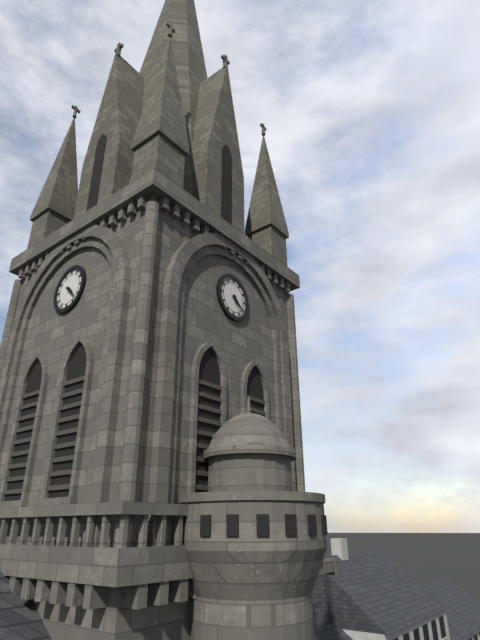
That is 4h22
